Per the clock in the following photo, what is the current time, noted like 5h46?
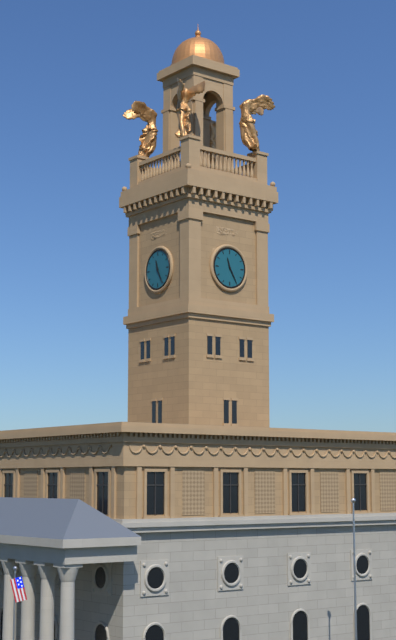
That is 11h25
